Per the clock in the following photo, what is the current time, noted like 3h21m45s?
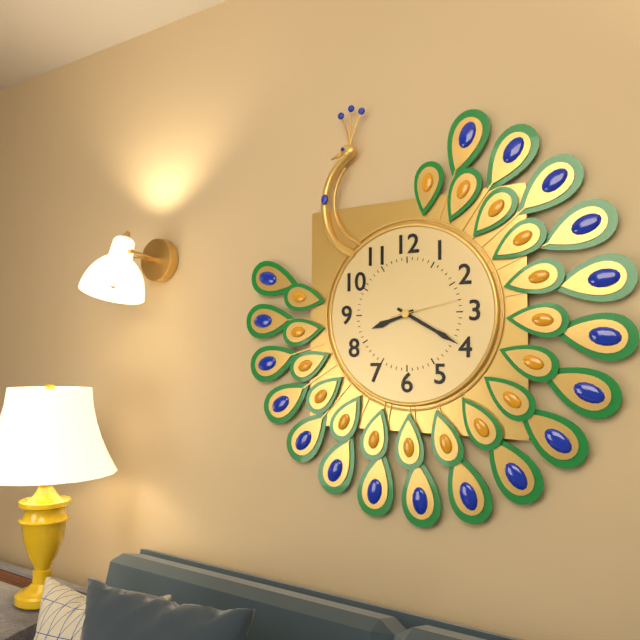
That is 8h20m13s
